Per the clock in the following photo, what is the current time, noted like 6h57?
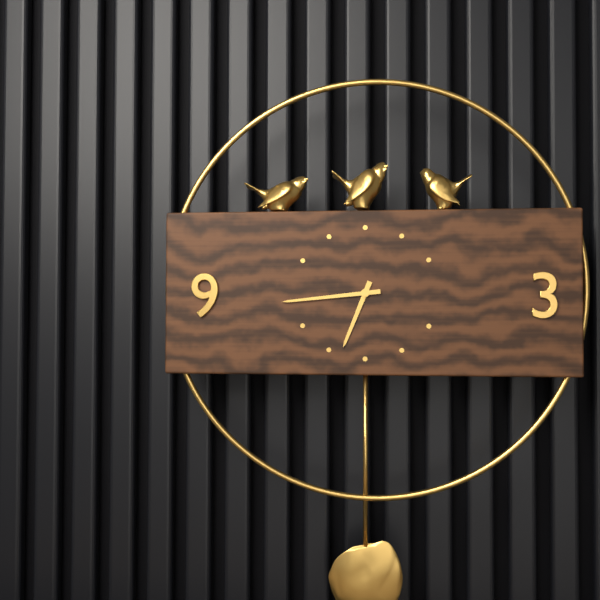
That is 6h44
